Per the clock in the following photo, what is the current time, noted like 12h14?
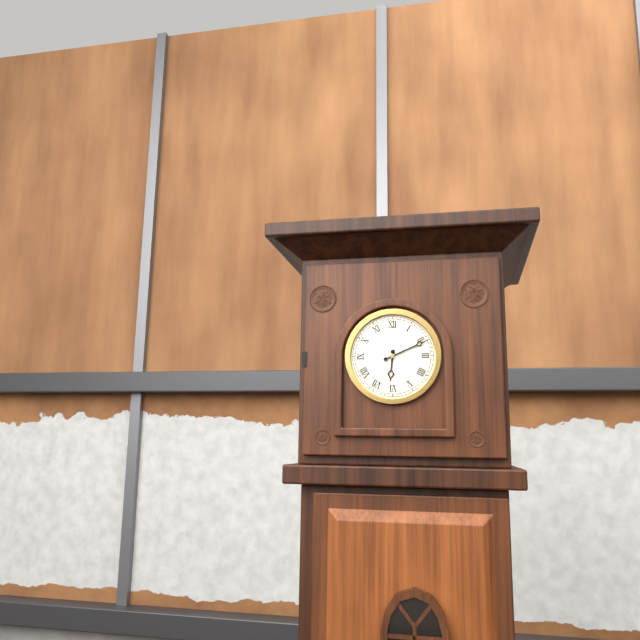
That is 6h11
